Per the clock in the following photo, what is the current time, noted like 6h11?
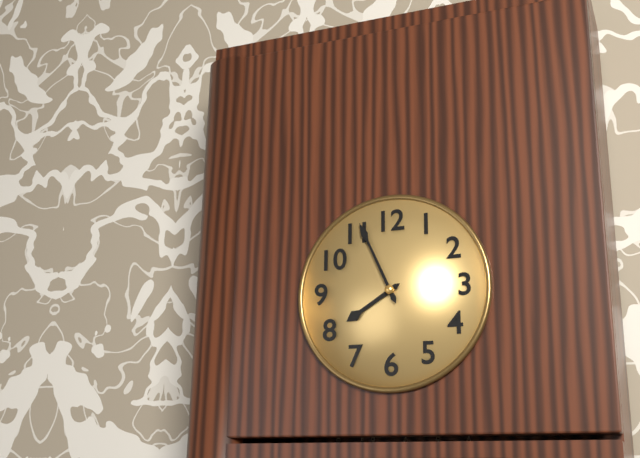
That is 7h56
